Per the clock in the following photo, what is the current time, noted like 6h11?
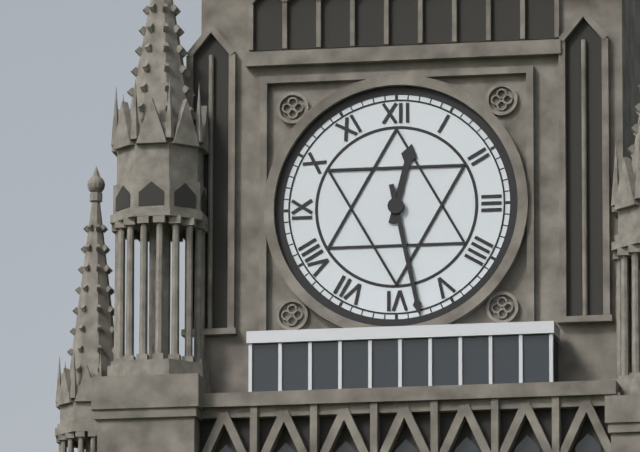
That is 12h28
